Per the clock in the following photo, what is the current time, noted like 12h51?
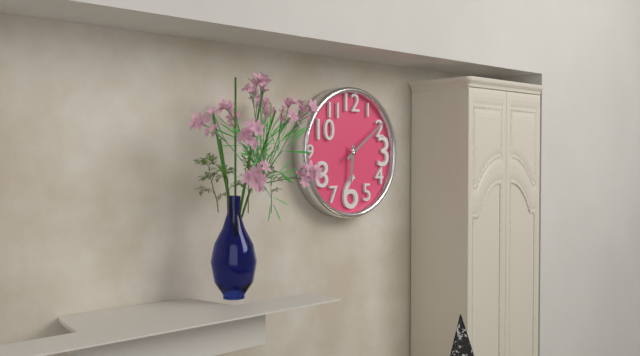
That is 6h09
